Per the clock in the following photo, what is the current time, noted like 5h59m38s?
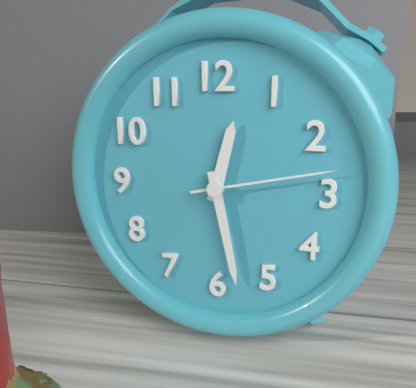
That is 12h28m13s
